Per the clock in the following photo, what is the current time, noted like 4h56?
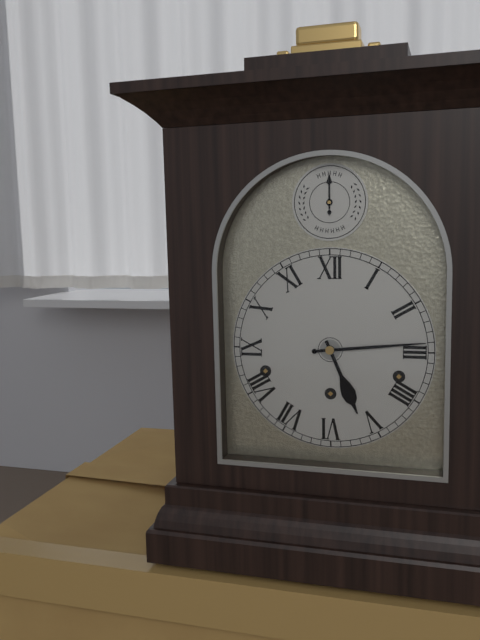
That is 5h14
